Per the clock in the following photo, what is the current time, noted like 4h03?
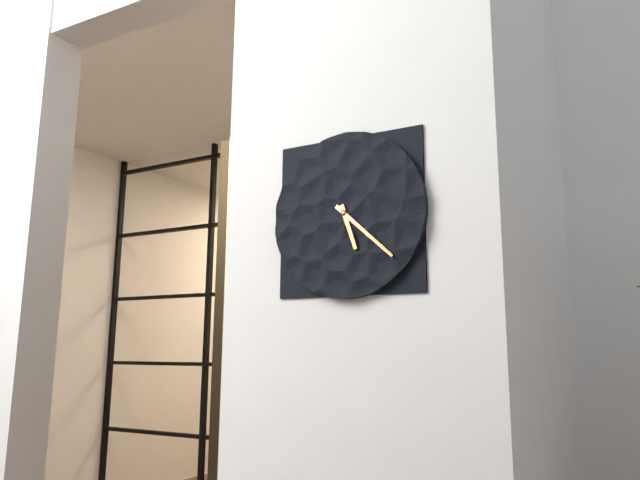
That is 5h22
